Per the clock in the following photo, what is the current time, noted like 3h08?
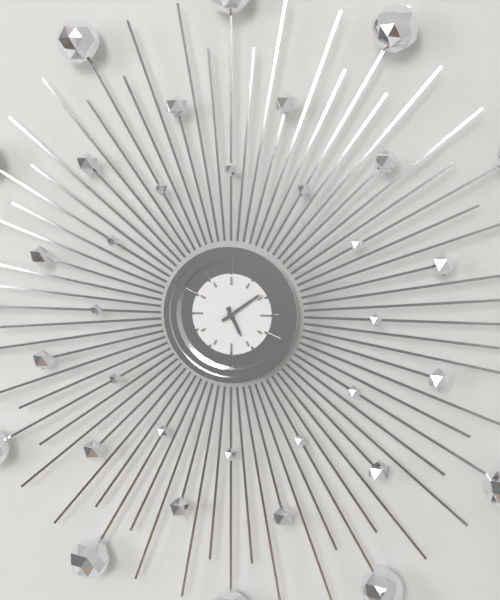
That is 5h09
